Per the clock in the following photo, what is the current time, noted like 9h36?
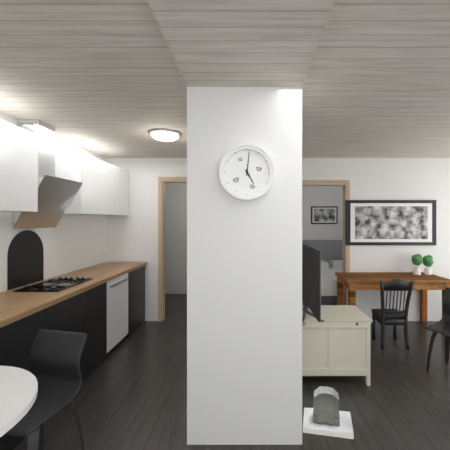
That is 5h01
